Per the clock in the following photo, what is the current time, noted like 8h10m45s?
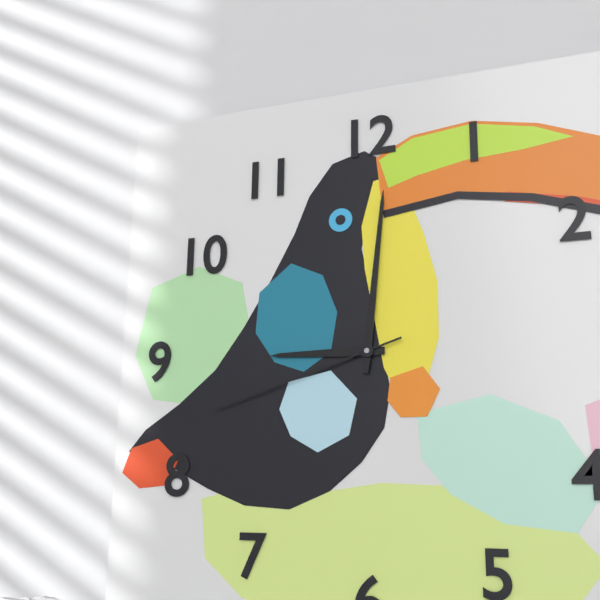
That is 9h01m42s
